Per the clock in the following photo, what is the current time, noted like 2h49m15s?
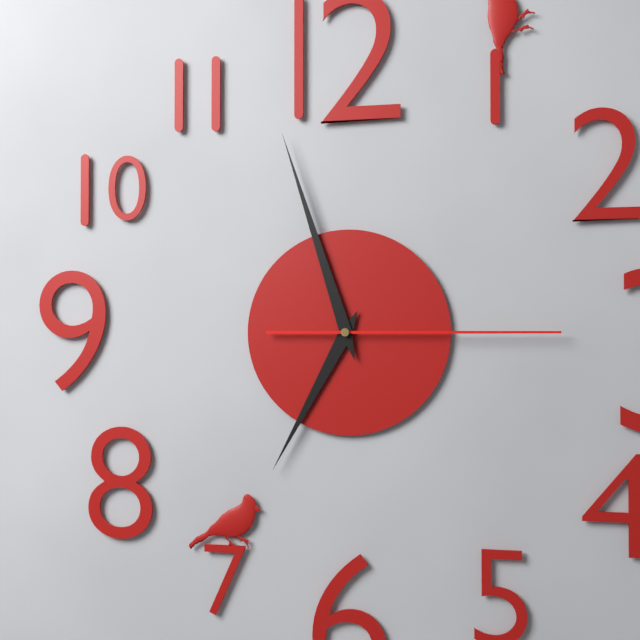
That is 6h57m15s
